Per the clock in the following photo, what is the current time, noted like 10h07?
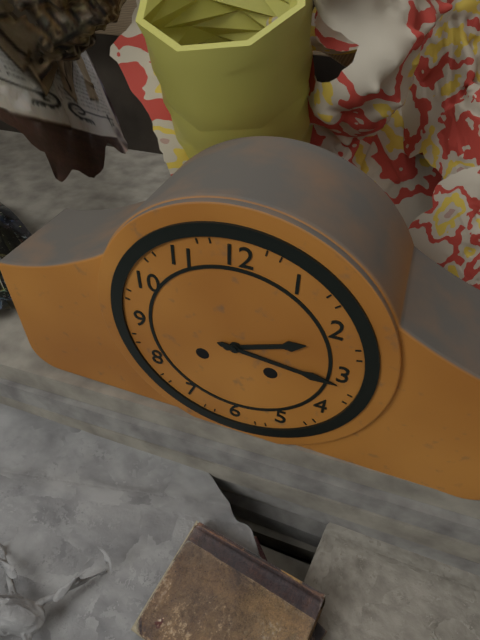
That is 2h16
